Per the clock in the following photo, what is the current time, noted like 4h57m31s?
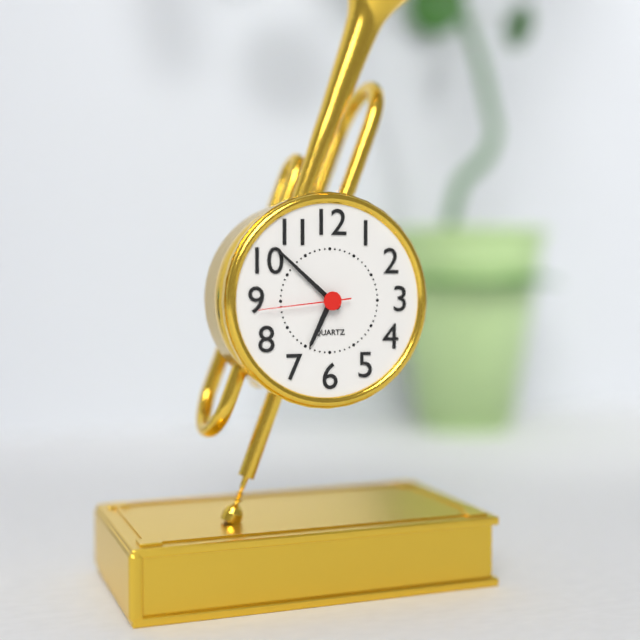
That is 6h52m44s
